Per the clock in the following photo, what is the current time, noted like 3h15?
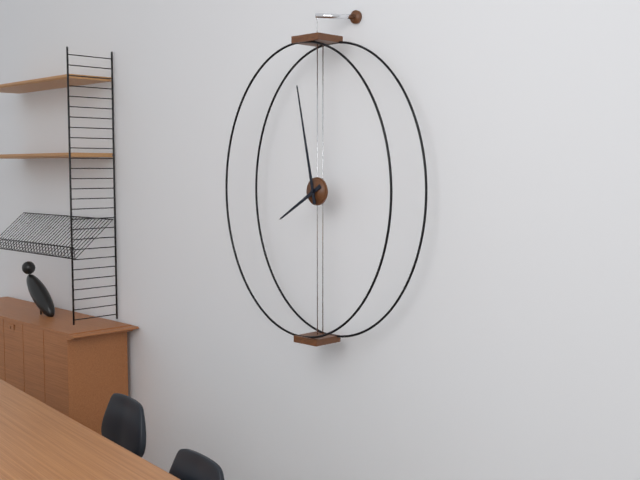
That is 7h58
